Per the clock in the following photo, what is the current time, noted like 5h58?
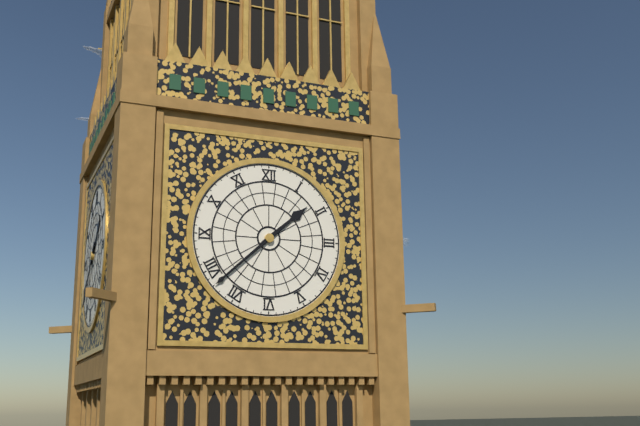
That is 1h38
